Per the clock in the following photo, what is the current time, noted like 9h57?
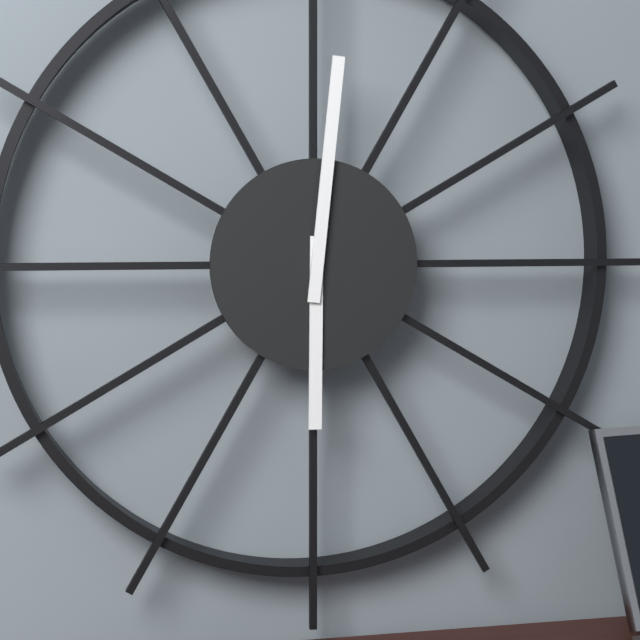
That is 6h01
